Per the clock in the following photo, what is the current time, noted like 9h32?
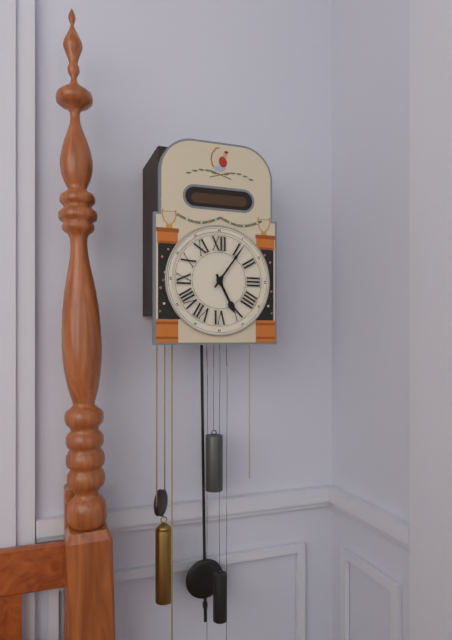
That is 5h06
